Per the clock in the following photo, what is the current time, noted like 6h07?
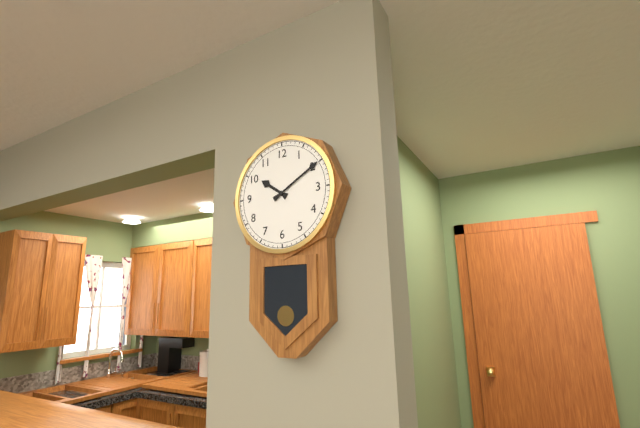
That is 10h10
